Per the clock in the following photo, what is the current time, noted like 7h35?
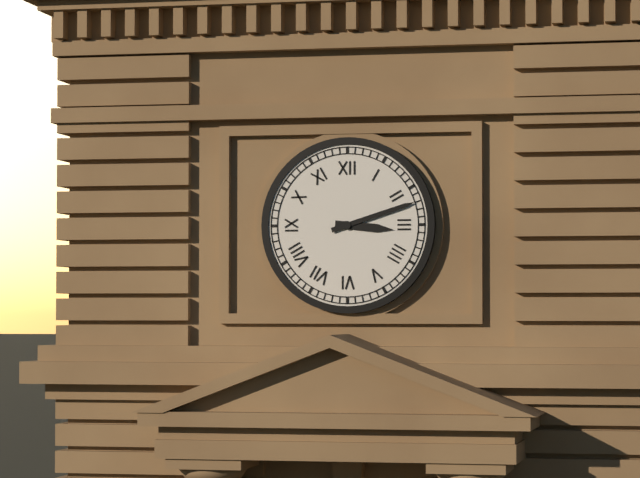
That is 3h12
